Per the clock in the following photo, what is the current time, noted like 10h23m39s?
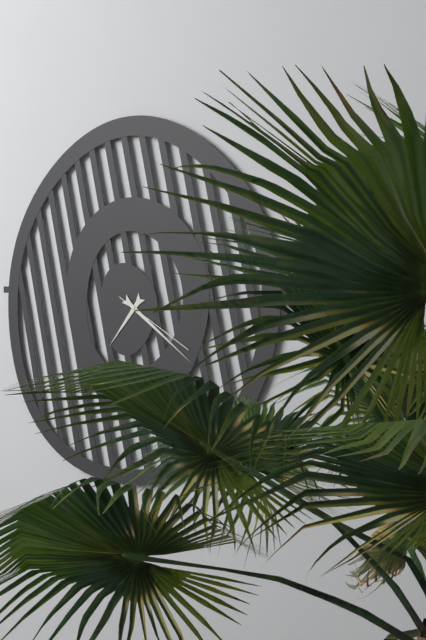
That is 7h21m20s
